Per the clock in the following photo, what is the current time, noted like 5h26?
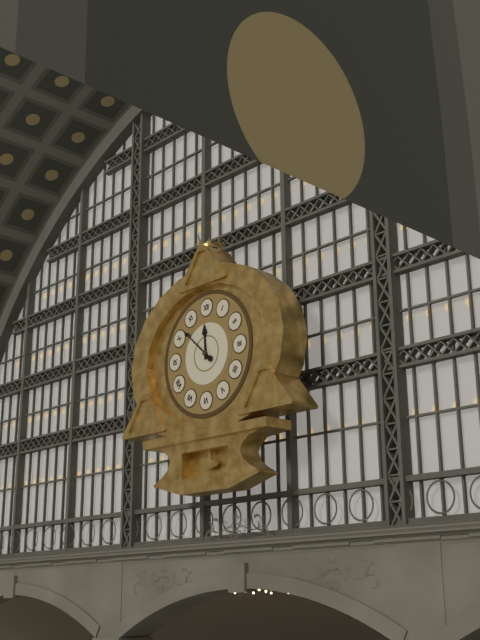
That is 11h52
